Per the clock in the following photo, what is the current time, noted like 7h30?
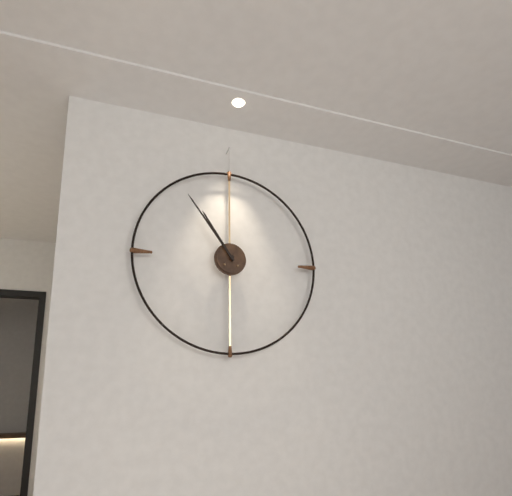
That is 10h54
